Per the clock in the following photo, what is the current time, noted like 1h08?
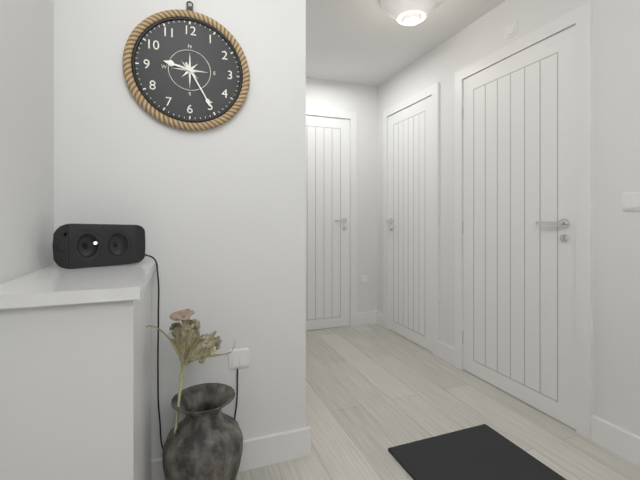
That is 9h25
